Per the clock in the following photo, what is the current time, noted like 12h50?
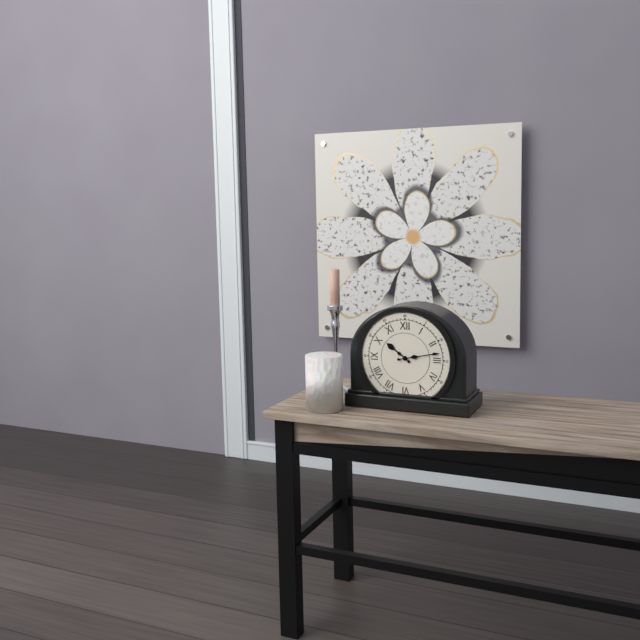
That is 10h13
